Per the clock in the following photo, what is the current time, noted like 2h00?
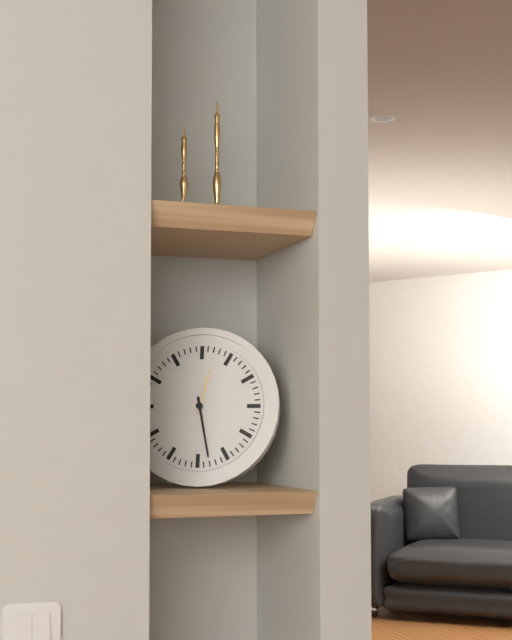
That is 12h28
